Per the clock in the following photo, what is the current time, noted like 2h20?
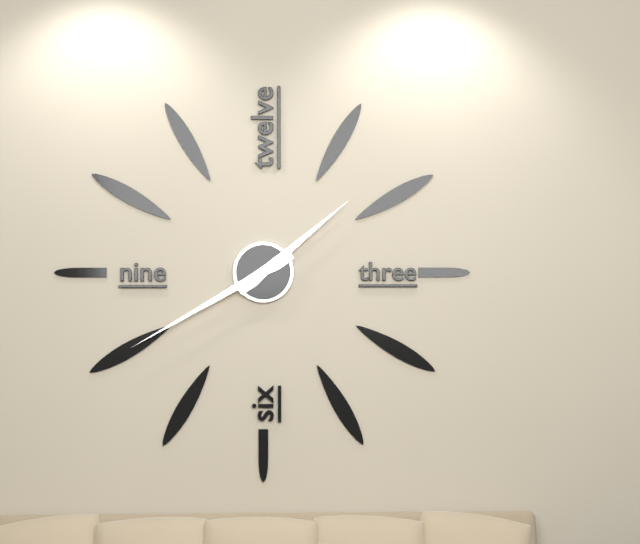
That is 1h40
